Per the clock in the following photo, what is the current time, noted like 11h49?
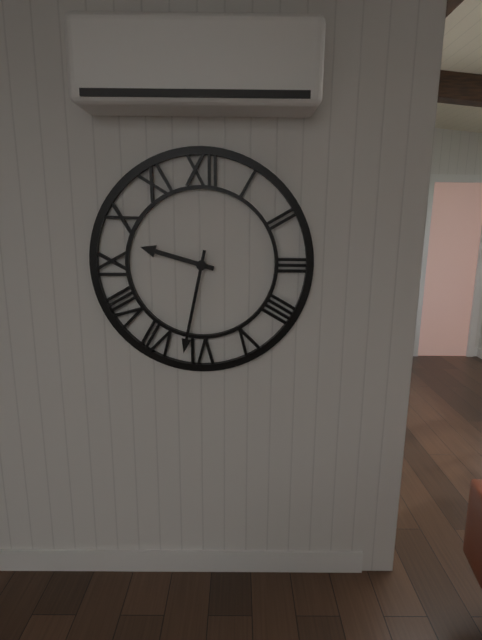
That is 9h32
